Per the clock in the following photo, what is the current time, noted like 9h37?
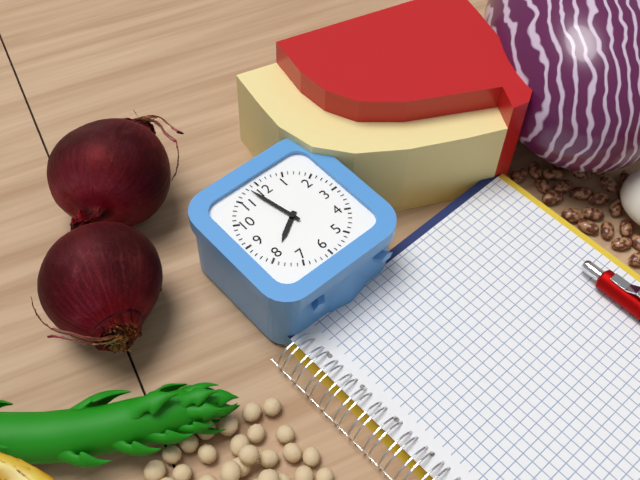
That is 7h58
